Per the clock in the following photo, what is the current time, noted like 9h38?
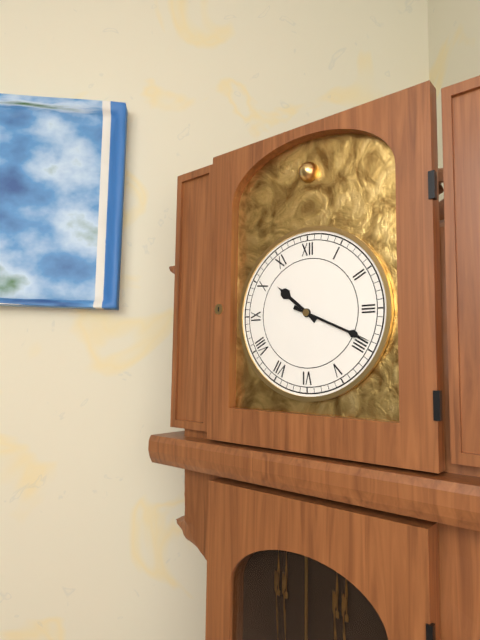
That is 10h19
